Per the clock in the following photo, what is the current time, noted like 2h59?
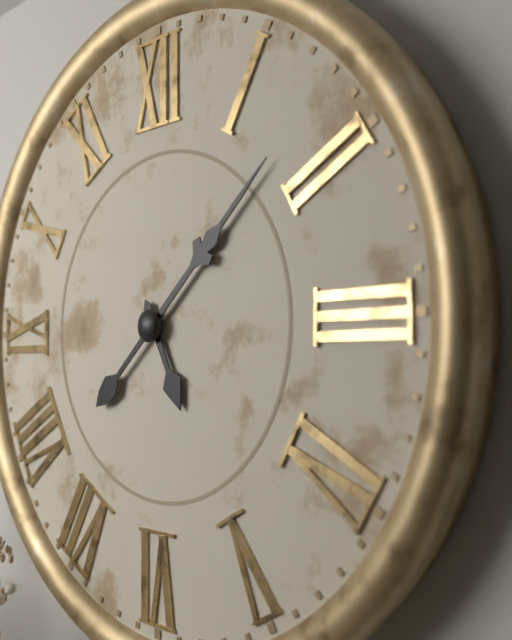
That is 5h08
